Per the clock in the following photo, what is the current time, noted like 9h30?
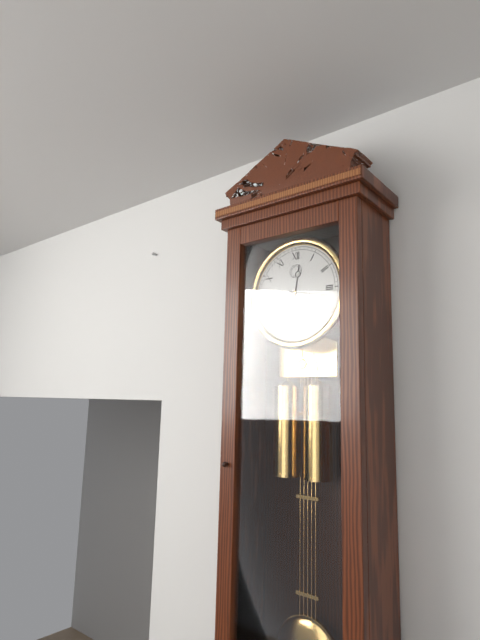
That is 12h17
